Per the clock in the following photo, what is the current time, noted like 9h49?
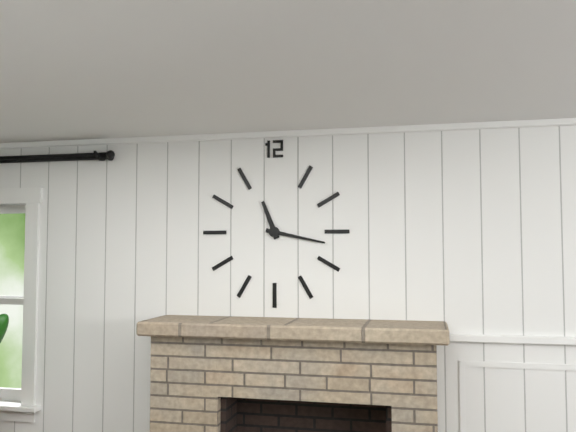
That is 11h17
